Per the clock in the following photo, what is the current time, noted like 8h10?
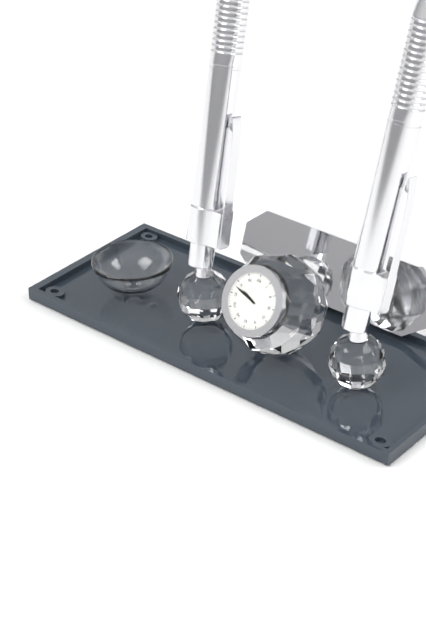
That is 9h48
